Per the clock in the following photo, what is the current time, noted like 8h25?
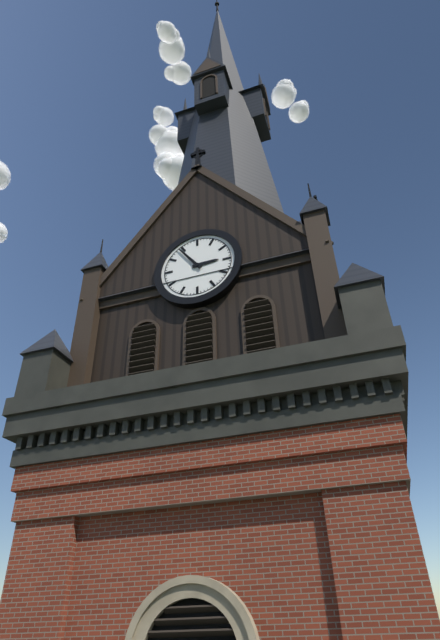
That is 2h54
